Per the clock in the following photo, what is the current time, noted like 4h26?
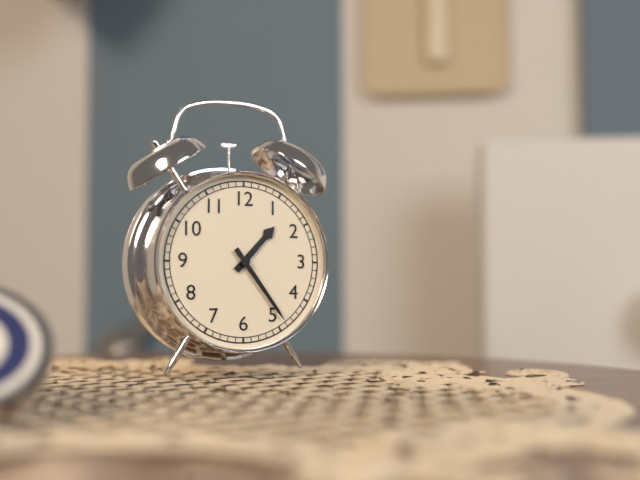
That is 1h24
